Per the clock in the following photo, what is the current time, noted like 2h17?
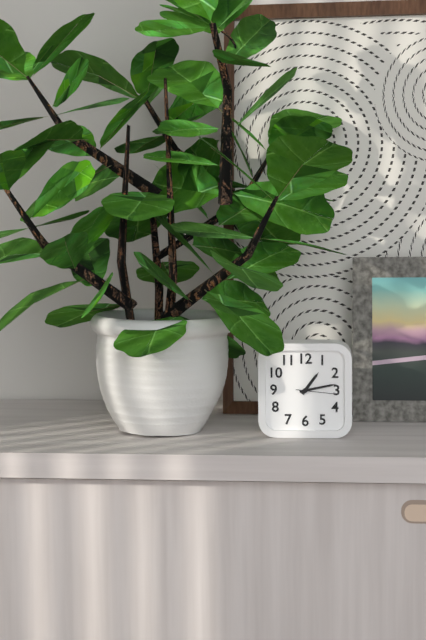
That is 1h13
